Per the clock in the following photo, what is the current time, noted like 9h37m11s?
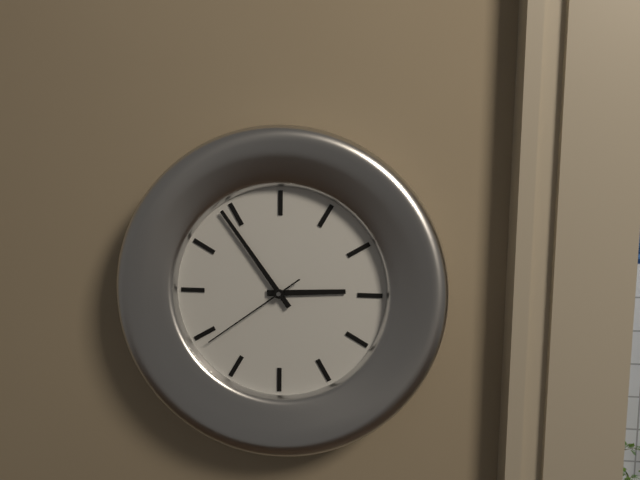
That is 2h54m39s
